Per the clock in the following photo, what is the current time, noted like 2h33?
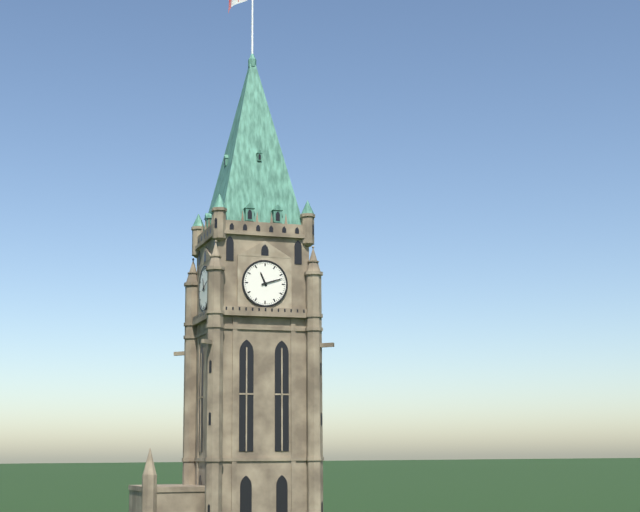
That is 11h12
